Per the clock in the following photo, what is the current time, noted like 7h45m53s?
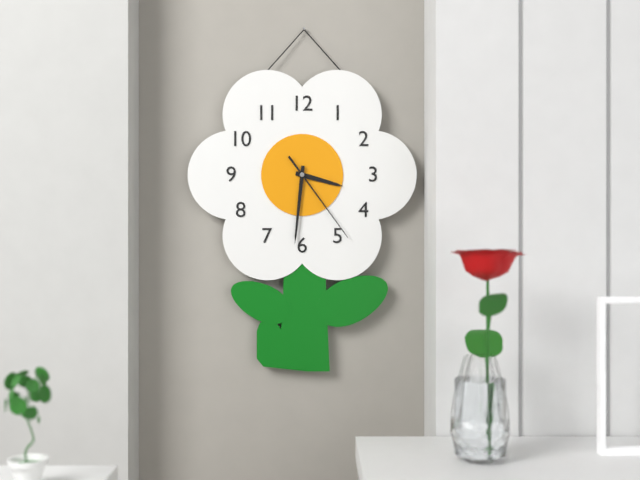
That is 3h31m24s
